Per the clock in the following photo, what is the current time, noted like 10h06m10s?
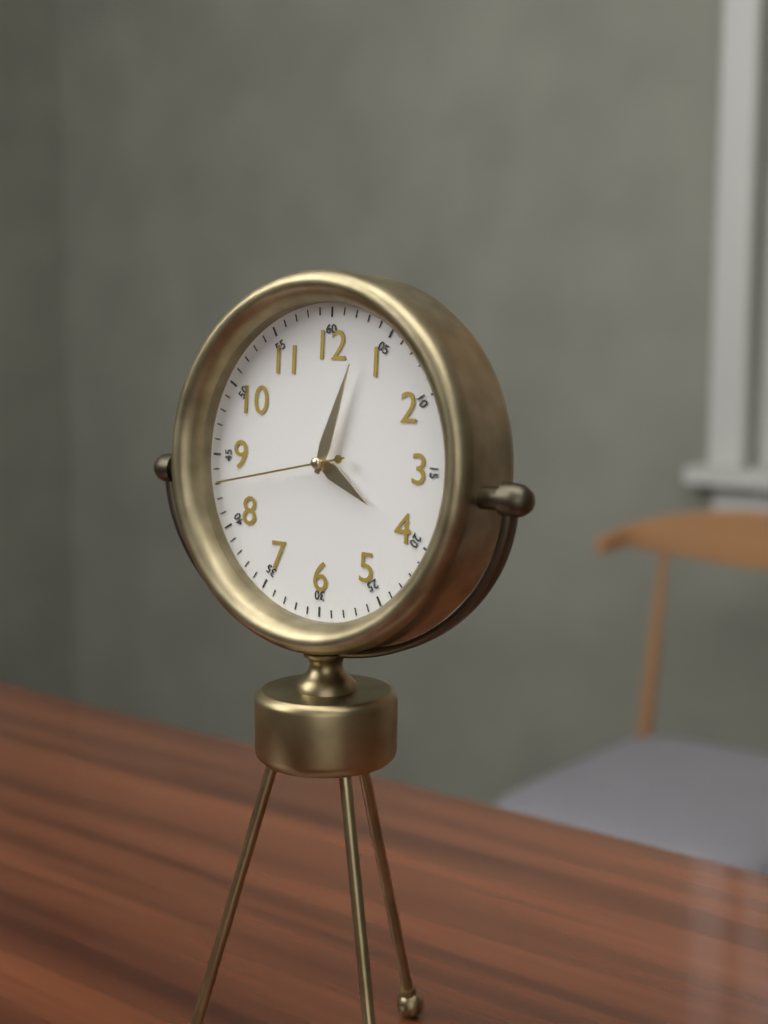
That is 4h03m43s
